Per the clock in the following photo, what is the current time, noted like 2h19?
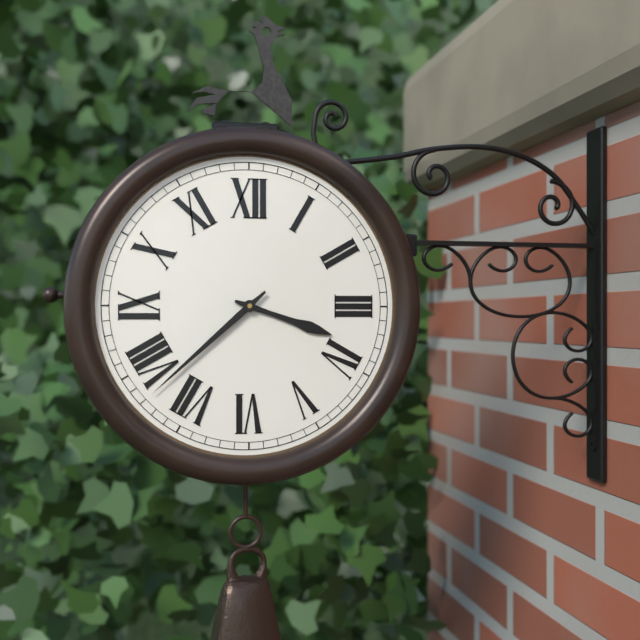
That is 3h38
